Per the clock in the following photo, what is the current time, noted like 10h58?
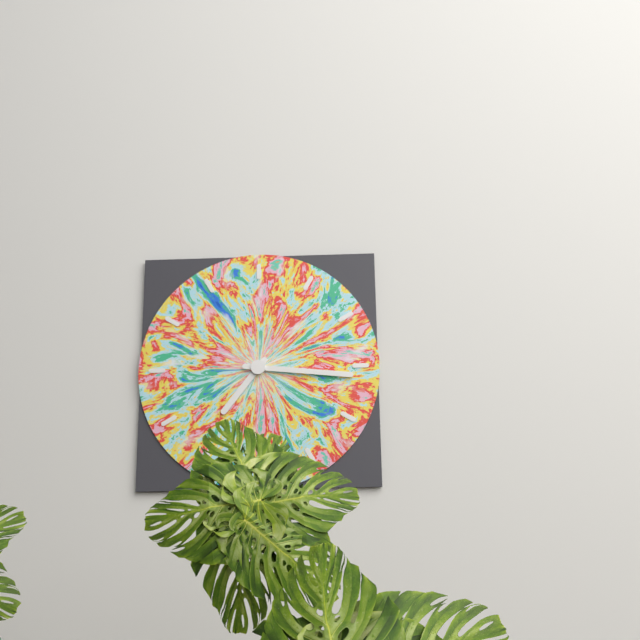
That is 7h16
